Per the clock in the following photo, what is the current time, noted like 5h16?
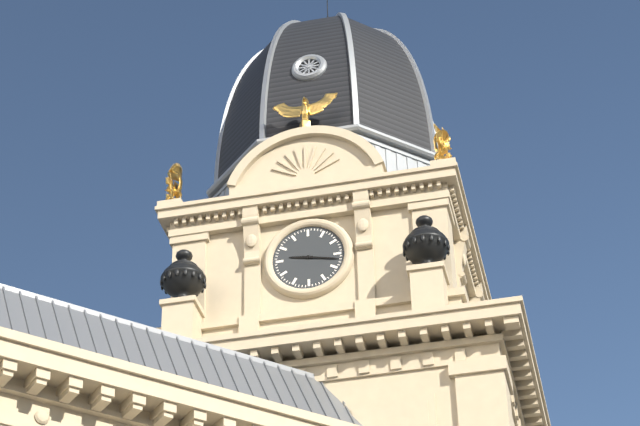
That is 9h17
